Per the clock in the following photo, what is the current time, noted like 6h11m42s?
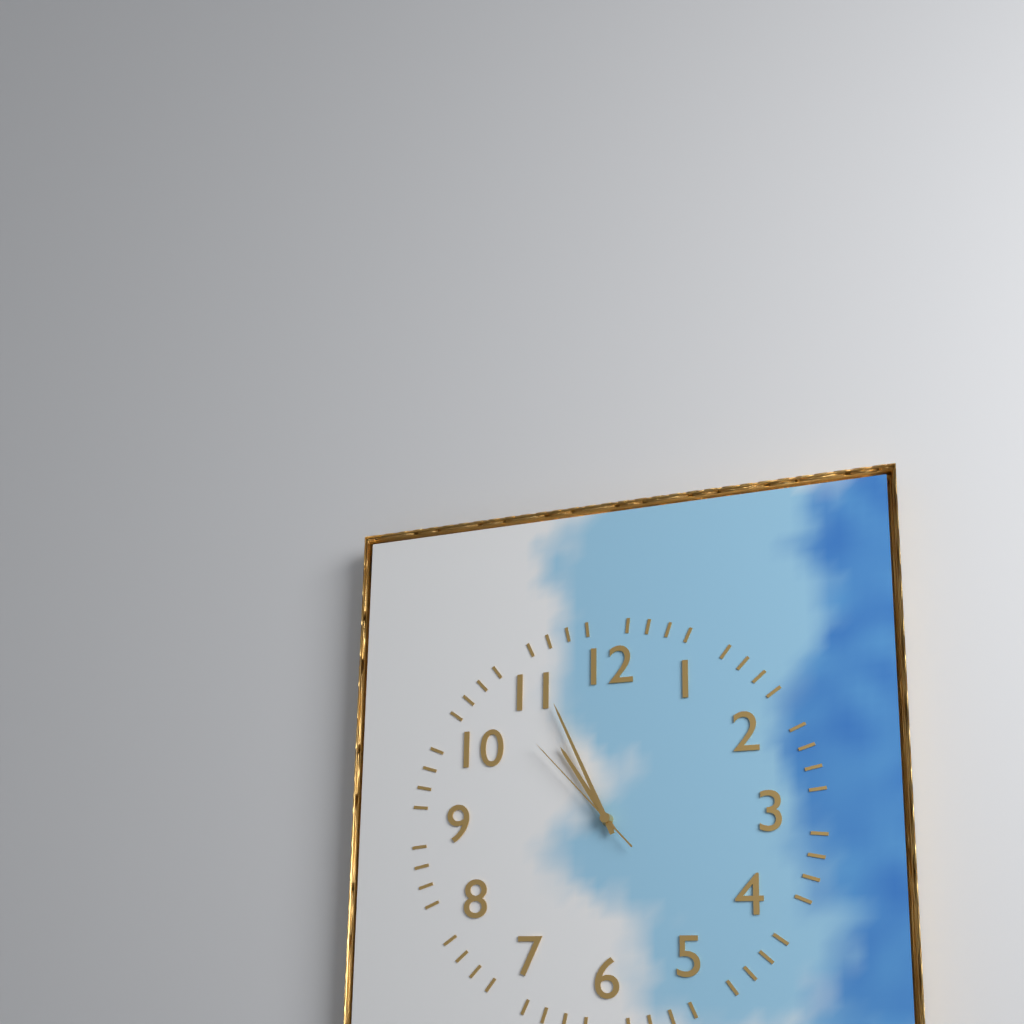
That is 10h56m53s
